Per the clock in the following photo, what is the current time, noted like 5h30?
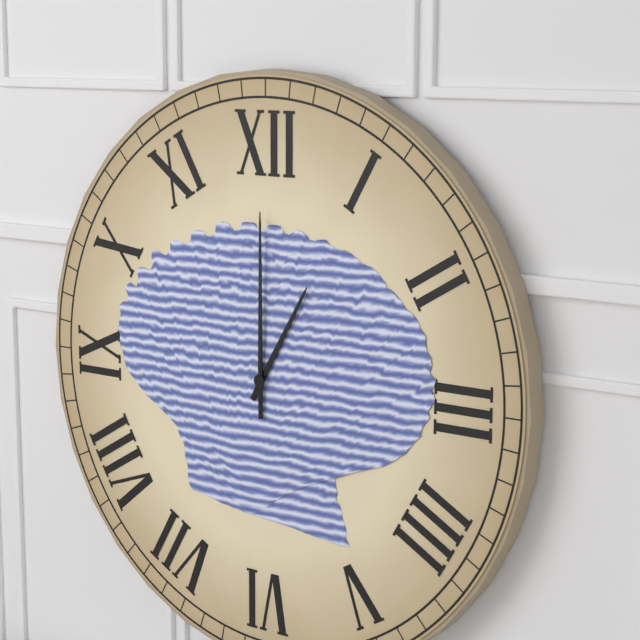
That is 1h00
